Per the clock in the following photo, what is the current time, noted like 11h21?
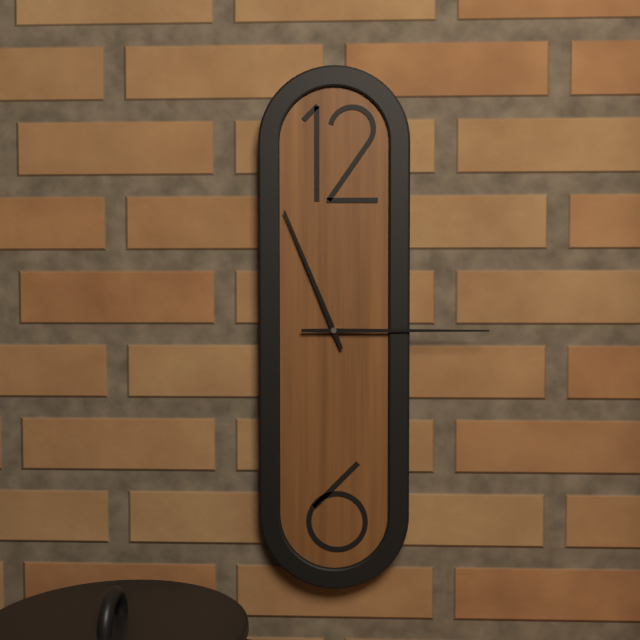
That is 11h15
